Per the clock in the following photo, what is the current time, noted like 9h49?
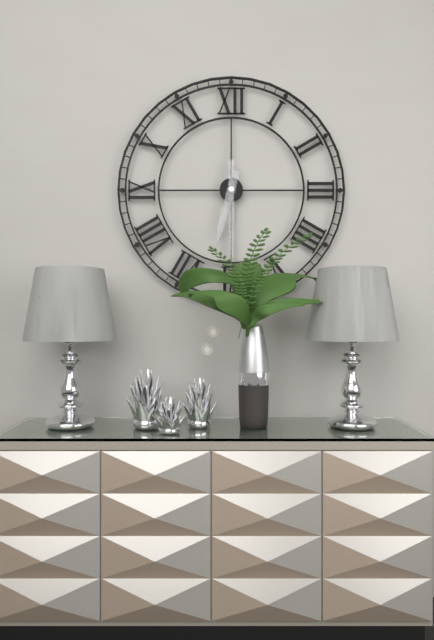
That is 6h30
